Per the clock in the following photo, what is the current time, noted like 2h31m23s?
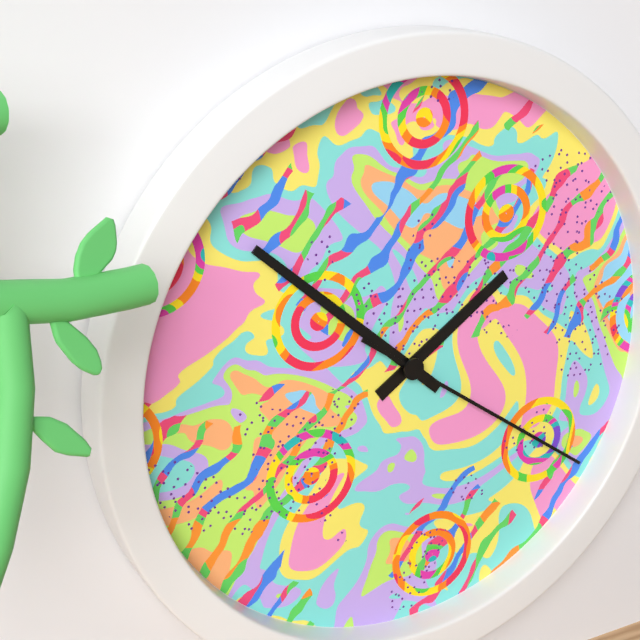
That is 1h52m21s
